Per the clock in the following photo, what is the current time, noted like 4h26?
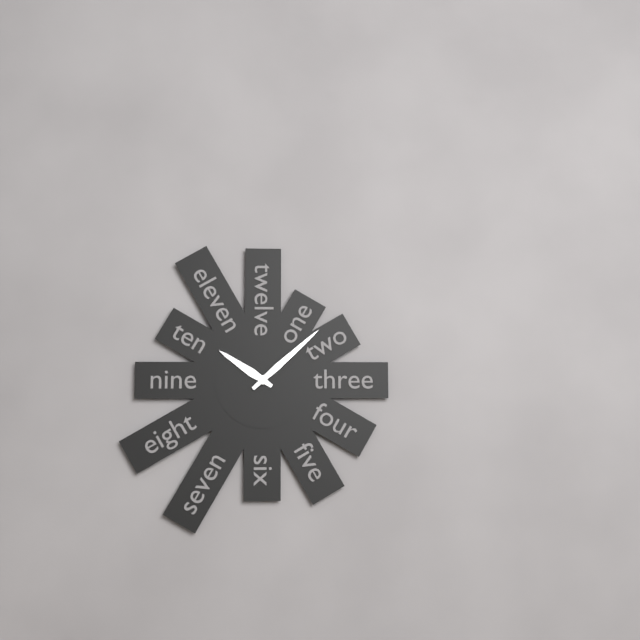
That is 10h08
